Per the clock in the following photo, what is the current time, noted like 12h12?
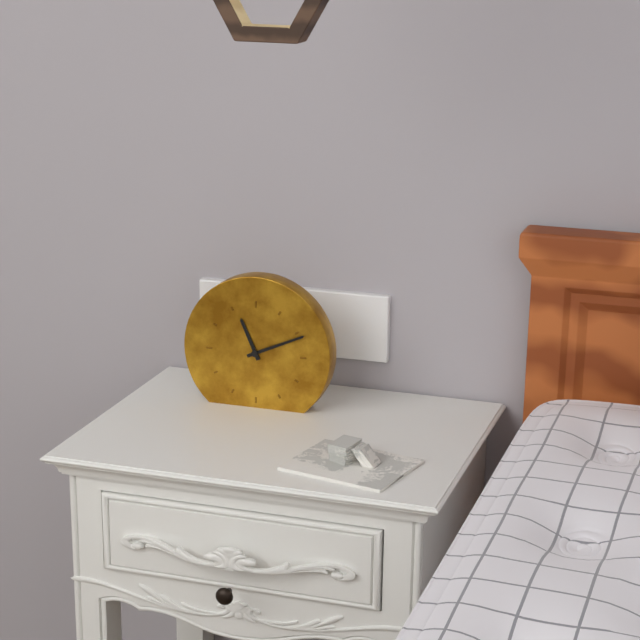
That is 11h11
